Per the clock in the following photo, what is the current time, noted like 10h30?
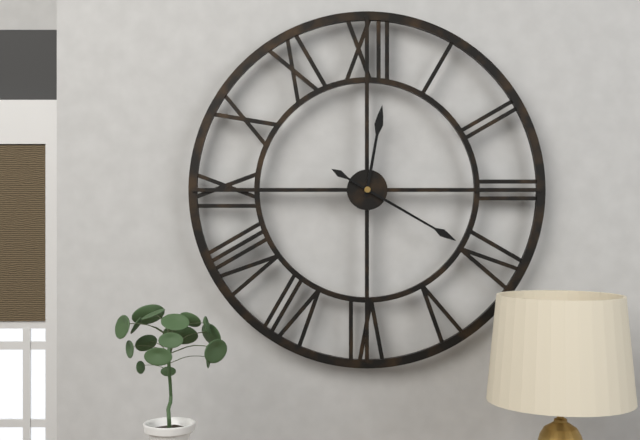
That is 12h20
